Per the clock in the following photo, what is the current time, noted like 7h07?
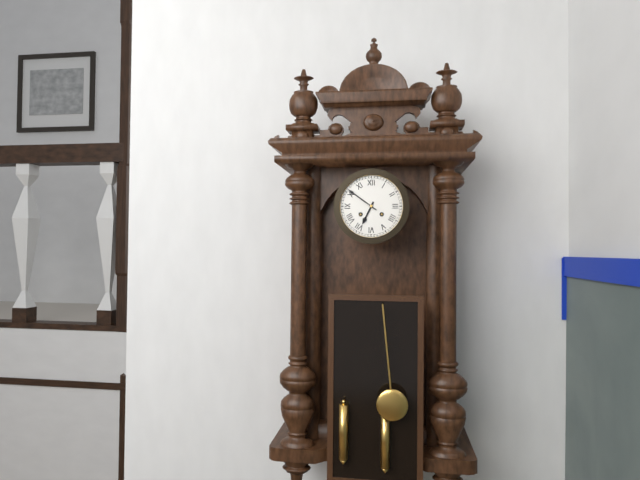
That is 6h51
